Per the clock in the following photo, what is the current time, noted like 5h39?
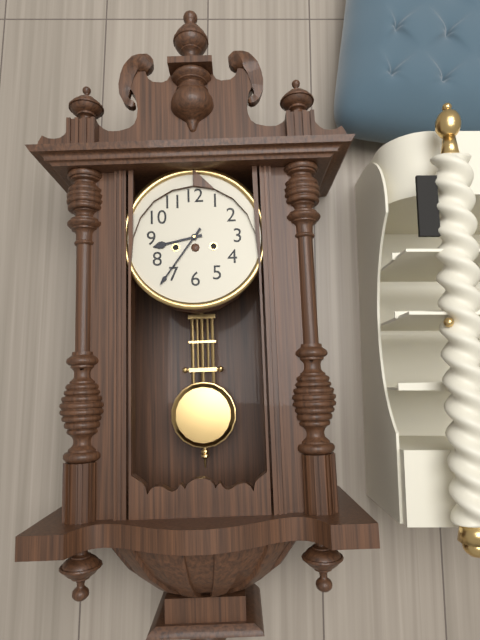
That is 8h36
